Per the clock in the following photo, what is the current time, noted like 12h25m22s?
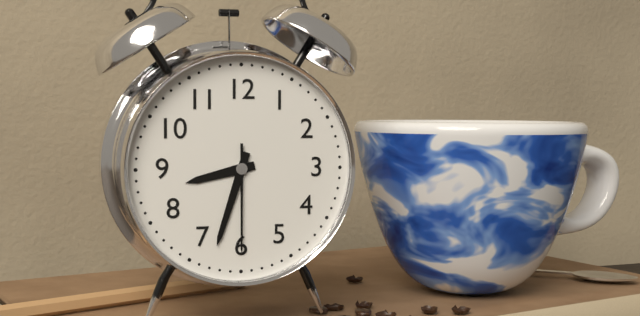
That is 8h33m30s
